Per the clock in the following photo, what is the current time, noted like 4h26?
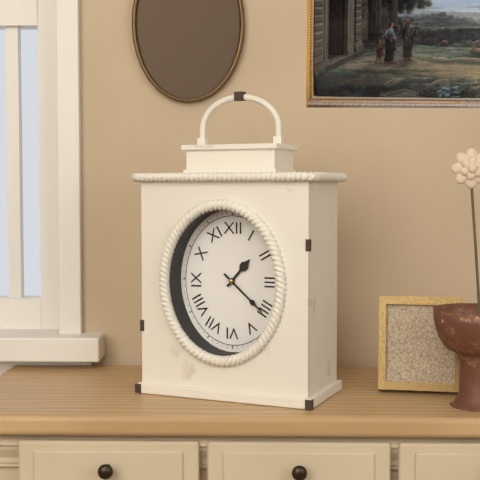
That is 1h22
